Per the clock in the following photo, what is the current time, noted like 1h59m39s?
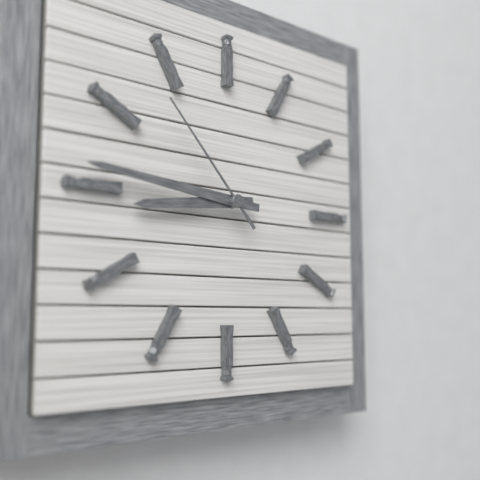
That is 8h46m53s
